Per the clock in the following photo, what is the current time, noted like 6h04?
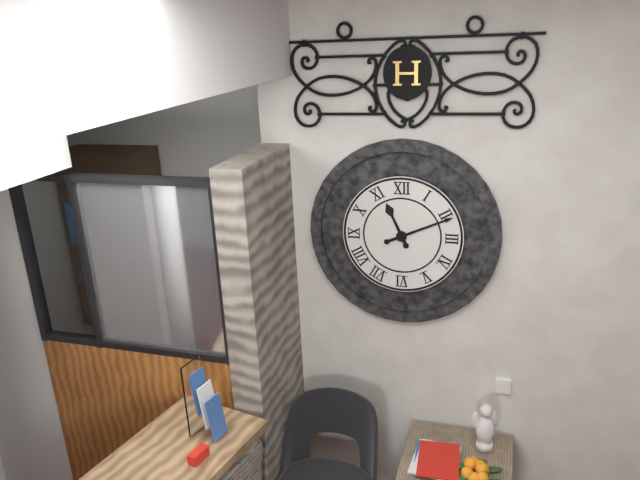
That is 11h11
